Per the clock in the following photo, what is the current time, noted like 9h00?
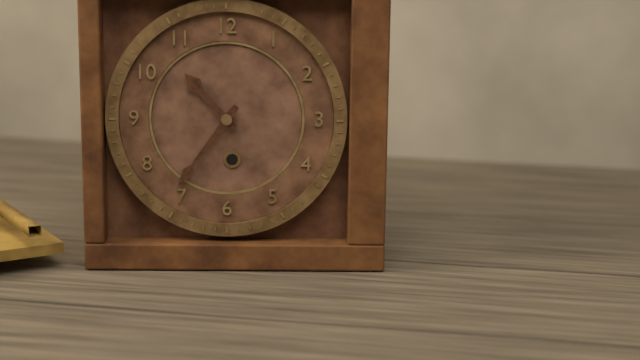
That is 10h36
